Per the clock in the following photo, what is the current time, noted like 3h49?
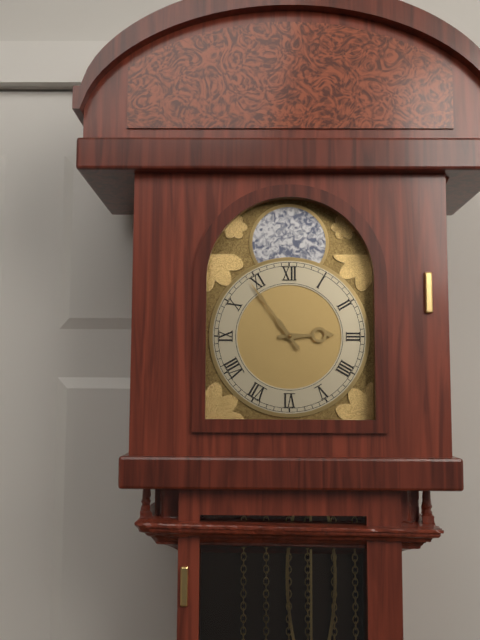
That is 2h54
